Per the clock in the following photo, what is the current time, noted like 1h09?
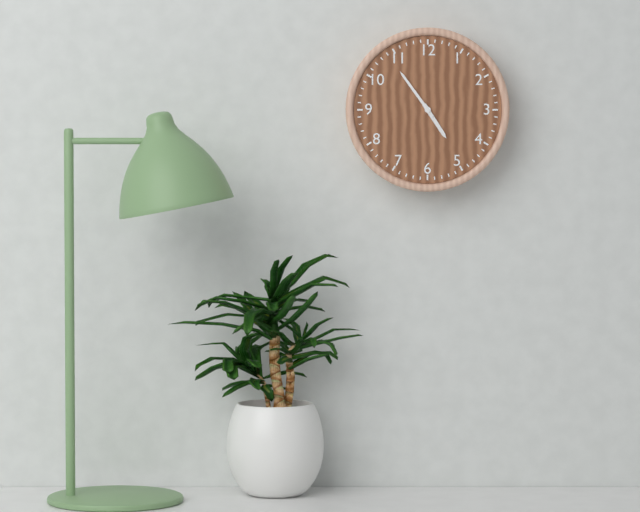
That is 4h54
